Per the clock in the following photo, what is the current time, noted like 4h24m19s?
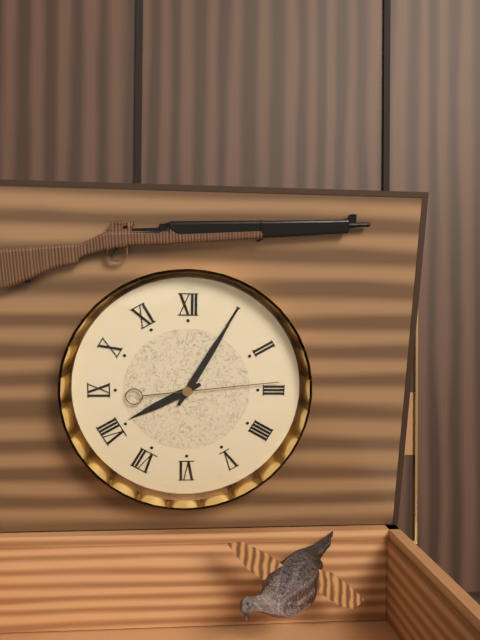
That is 8h05m14s
